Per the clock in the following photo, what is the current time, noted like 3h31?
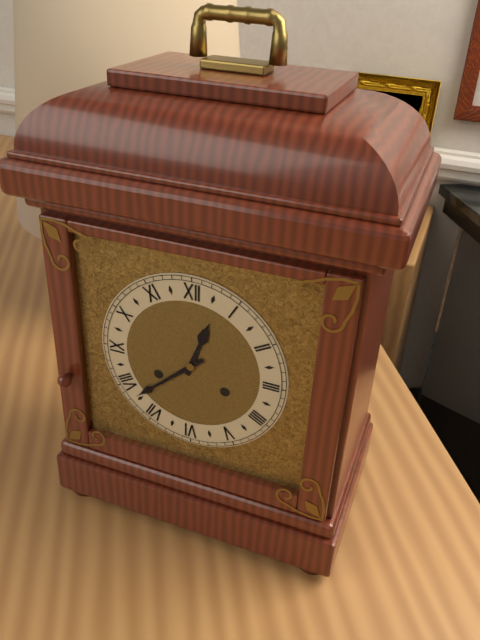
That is 12h38
